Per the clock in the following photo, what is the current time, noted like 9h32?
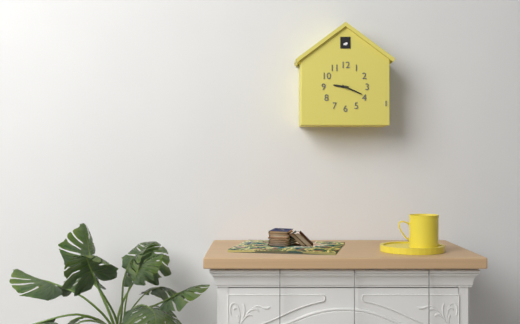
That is 9h19
